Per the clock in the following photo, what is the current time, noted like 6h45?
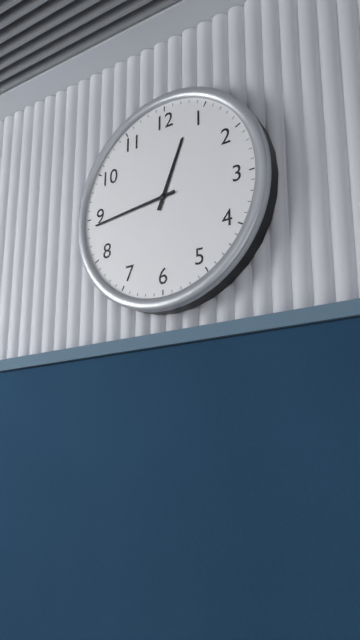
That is 12h44
